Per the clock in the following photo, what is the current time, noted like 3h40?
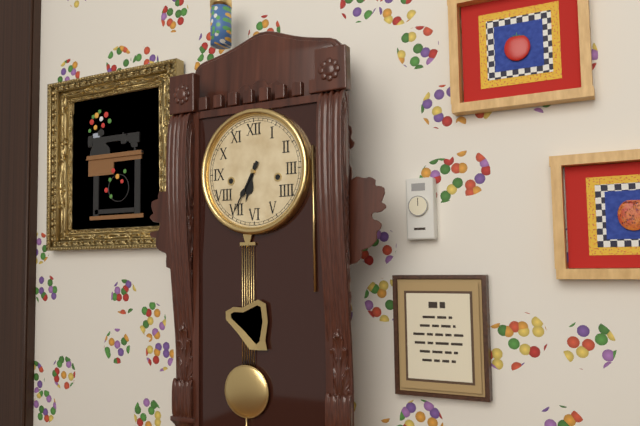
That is 6h35
